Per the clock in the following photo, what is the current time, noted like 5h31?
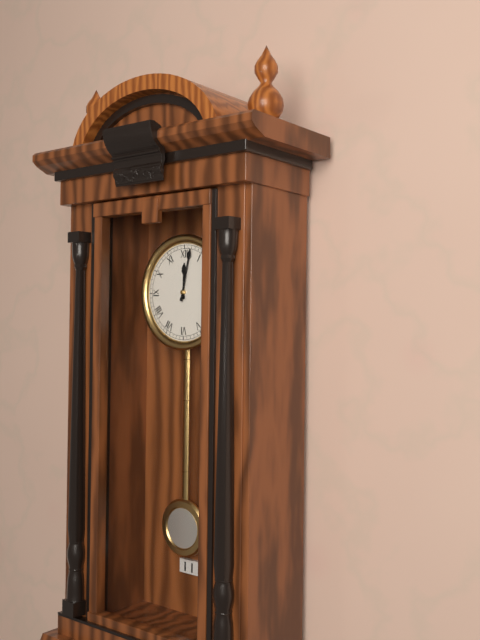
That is 12h02
